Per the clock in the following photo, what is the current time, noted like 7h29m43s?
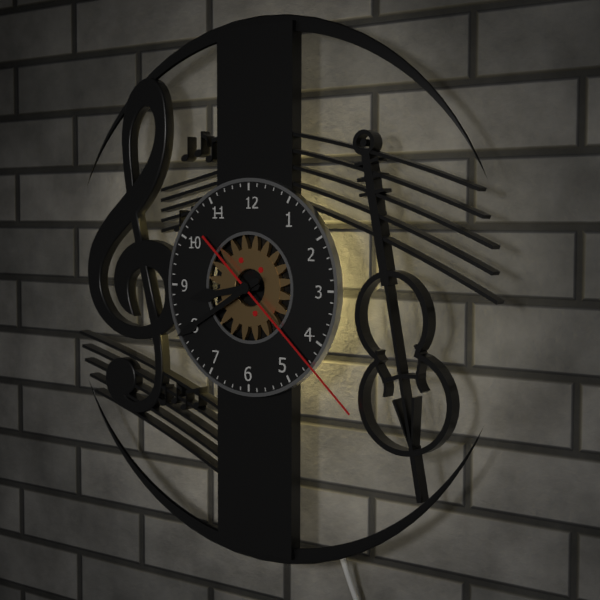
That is 8h40m22s
